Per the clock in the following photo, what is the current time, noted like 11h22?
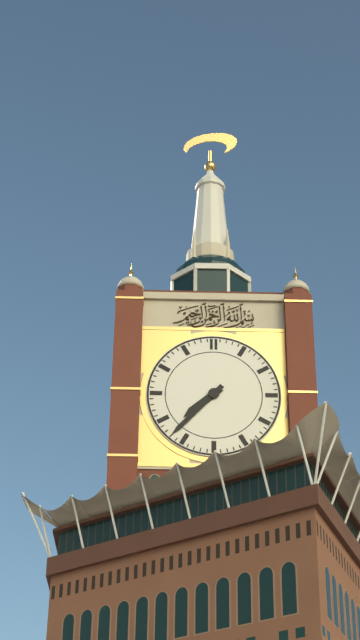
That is 7h37
